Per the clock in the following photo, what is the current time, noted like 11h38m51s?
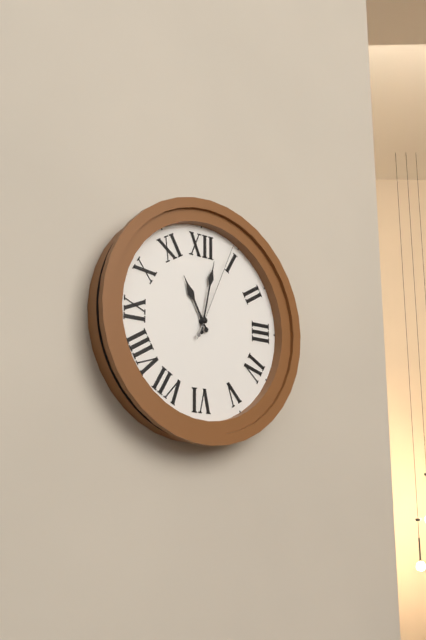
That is 11h02m04s
